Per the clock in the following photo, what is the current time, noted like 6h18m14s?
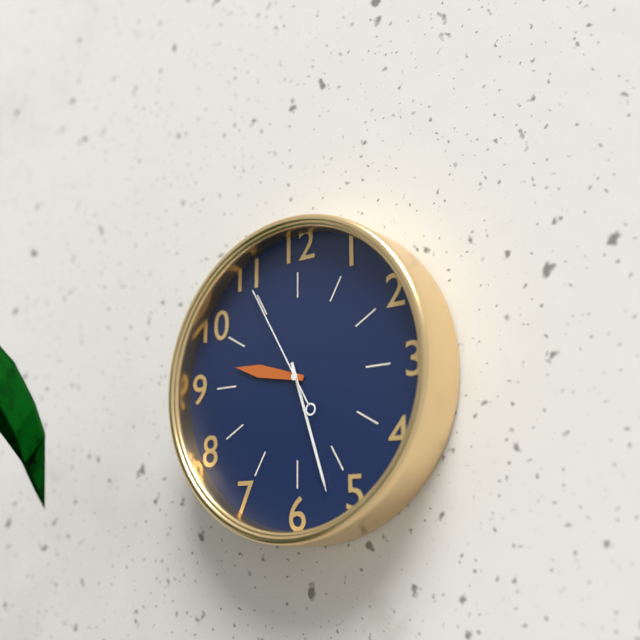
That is 9h27m55s
